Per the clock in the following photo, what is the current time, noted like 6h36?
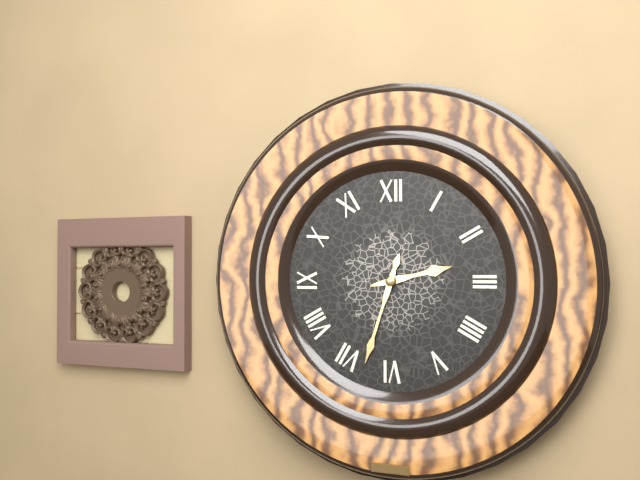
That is 2h33
